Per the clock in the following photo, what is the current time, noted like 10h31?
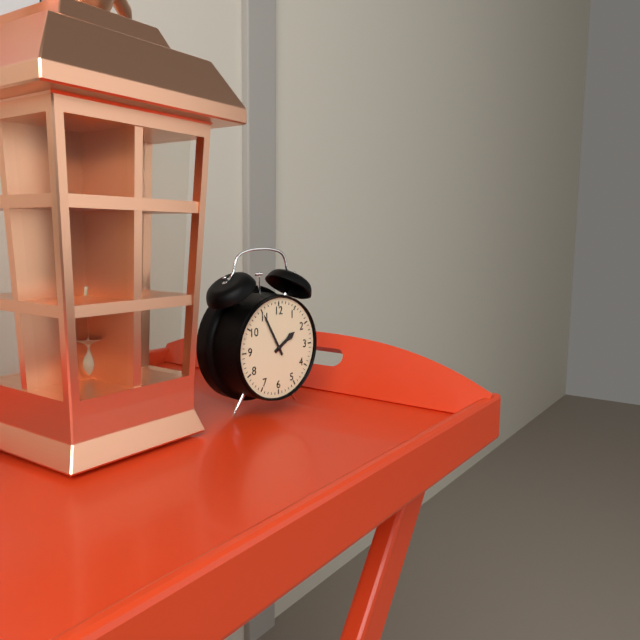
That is 1h55
